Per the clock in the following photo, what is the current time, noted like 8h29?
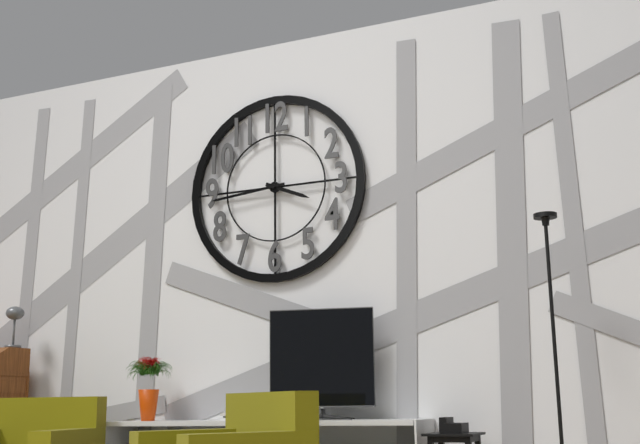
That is 3h44
